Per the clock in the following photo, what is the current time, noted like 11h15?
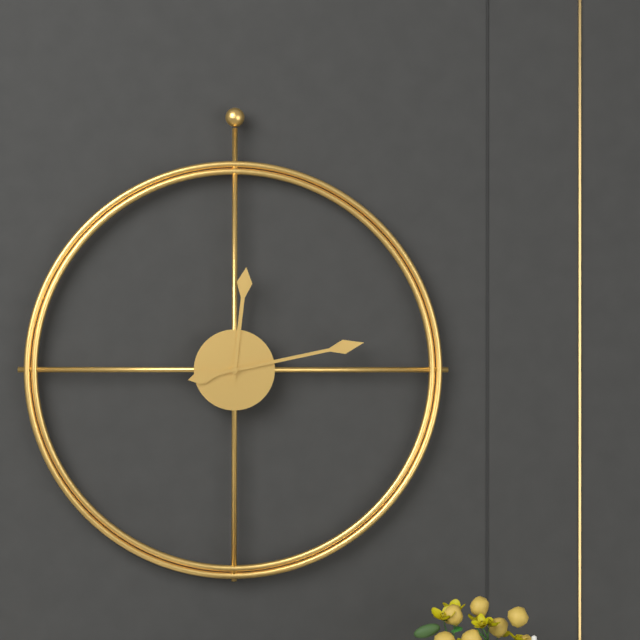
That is 12h13
